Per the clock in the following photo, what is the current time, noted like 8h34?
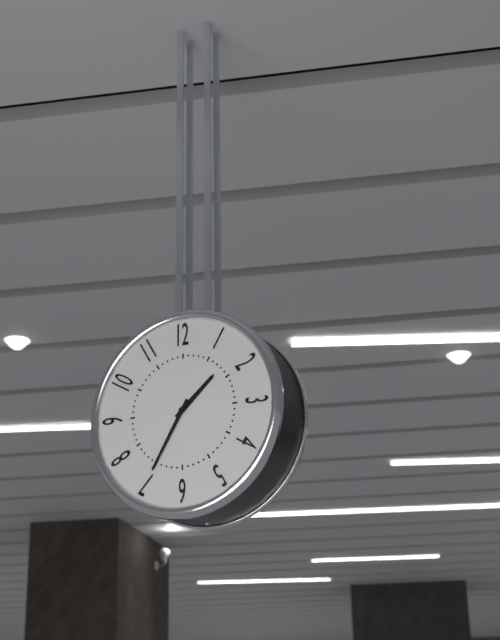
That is 1h35
